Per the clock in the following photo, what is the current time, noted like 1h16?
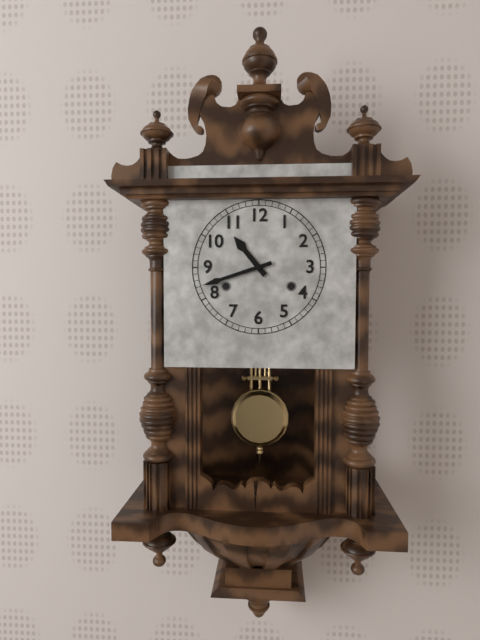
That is 10h42
